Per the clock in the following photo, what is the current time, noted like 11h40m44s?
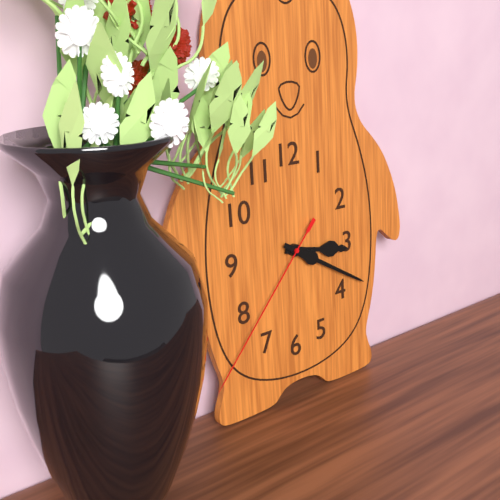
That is 3h20m37s
